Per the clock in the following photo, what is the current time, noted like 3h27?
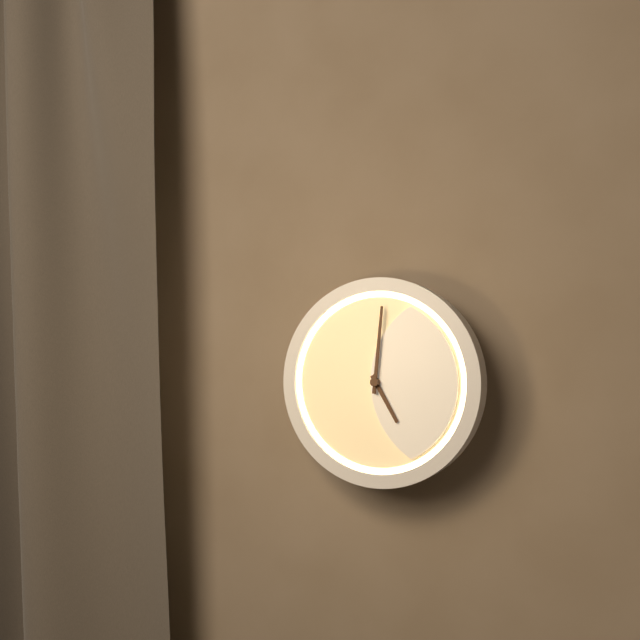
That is 5h01
